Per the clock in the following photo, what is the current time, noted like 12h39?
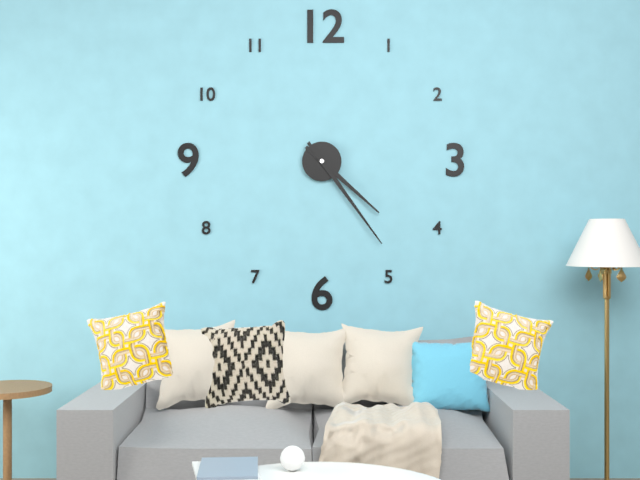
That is 4h24
